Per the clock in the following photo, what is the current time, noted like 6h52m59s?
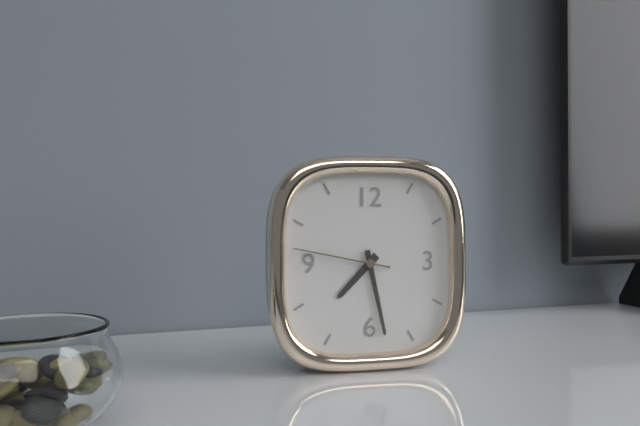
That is 7h28m47s
